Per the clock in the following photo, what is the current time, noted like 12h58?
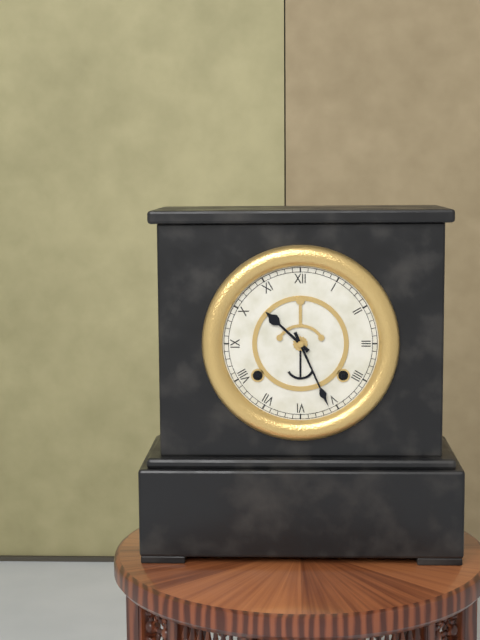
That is 10h26
